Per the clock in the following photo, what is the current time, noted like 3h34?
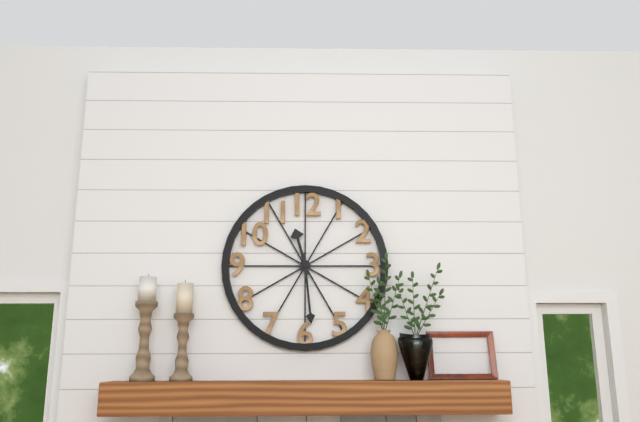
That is 11h29
